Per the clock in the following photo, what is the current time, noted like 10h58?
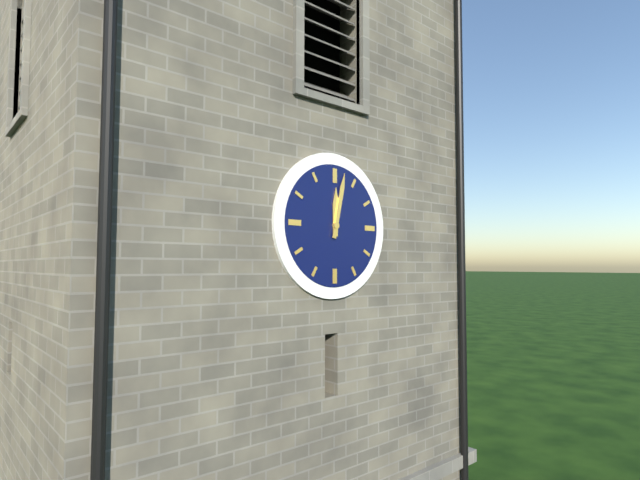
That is 12h02
